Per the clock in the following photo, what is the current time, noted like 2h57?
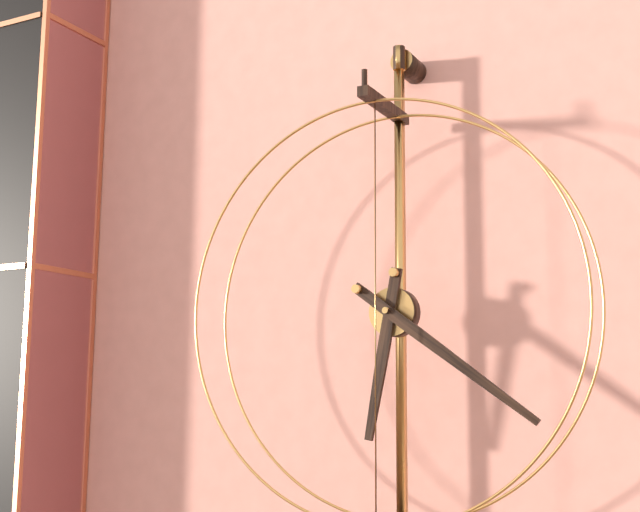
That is 6h21
